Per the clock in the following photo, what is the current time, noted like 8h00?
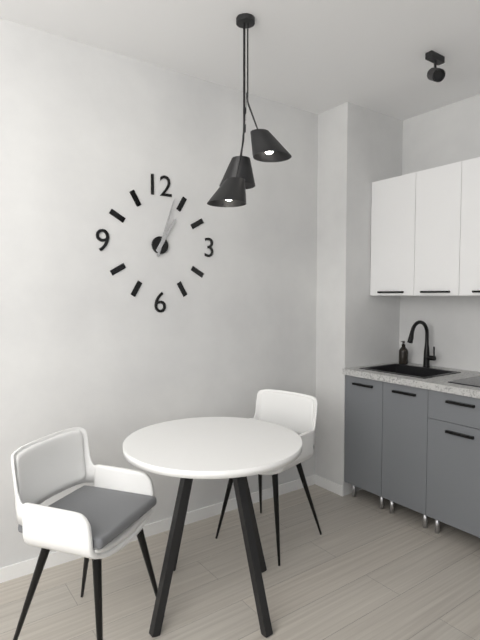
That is 1h03
